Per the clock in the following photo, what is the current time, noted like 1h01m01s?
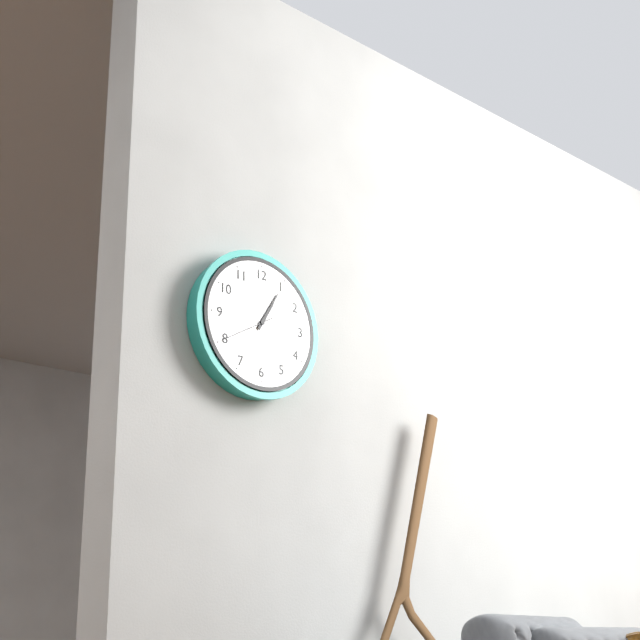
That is 1h05m40s
